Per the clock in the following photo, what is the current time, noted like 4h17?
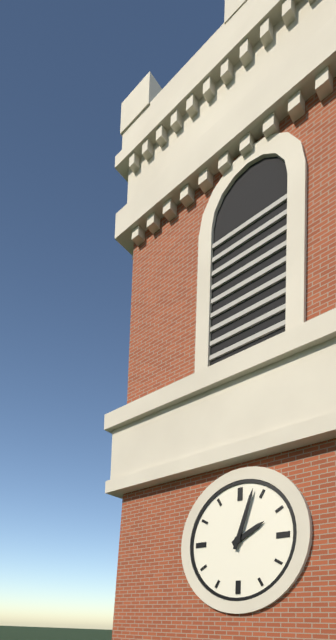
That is 2h03
